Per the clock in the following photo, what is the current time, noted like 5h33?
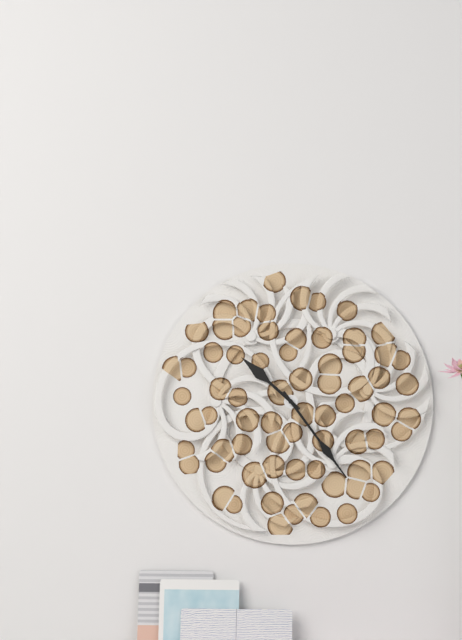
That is 10h24
